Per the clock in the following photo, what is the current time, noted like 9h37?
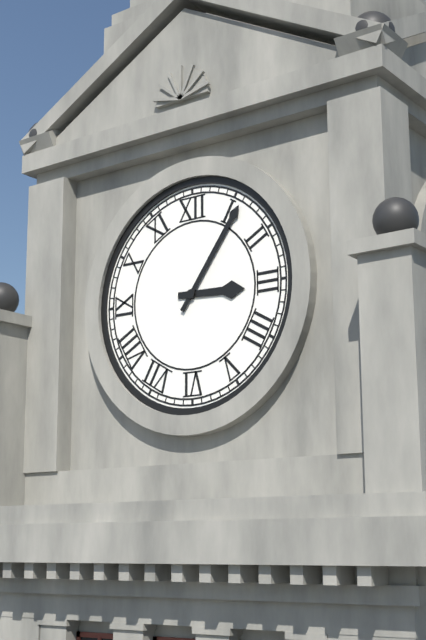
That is 3h06
